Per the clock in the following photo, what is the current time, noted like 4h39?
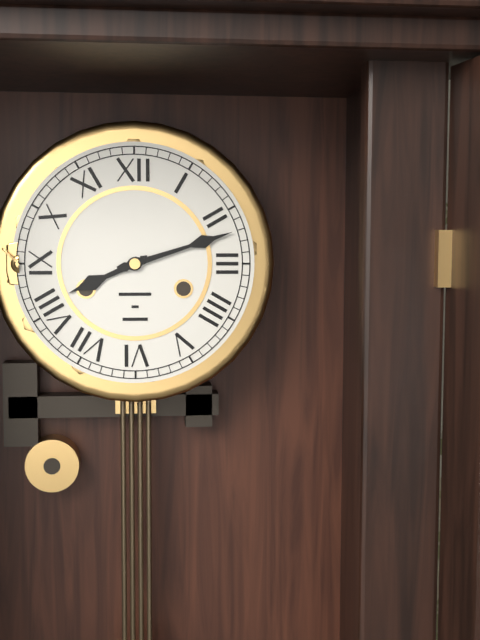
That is 8h12
